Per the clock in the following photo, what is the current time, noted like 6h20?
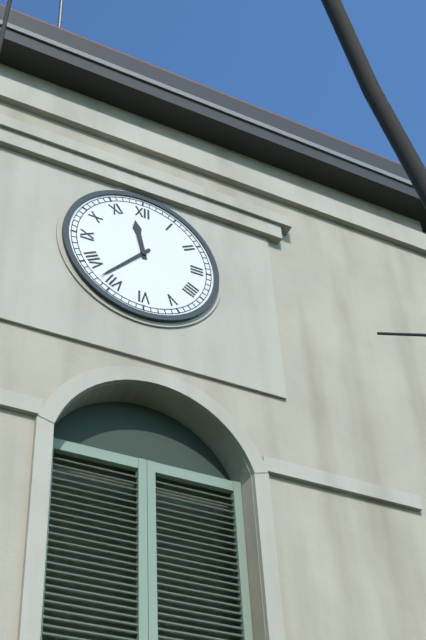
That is 11h37
